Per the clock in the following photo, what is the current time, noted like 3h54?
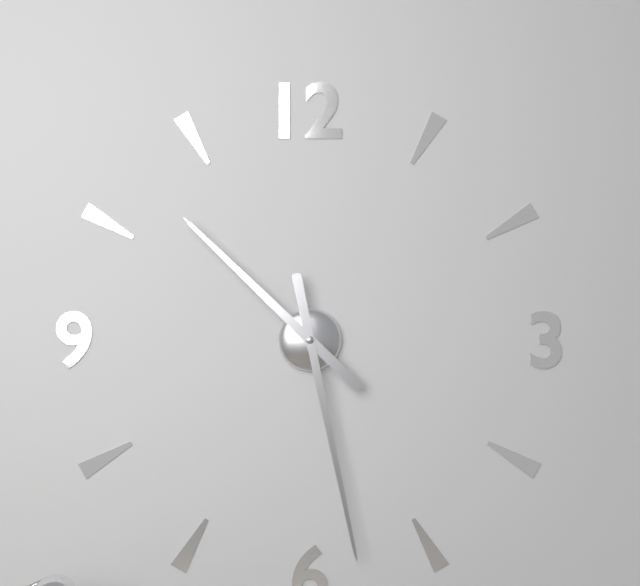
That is 10h28
